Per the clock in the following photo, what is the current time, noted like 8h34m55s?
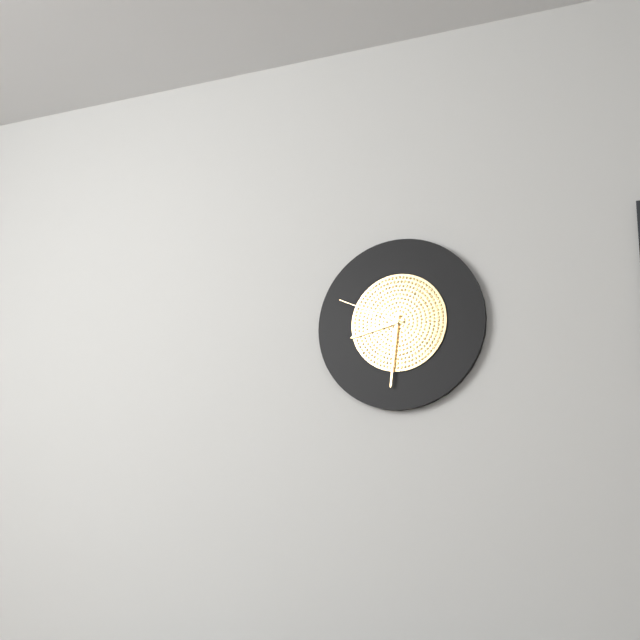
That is 8h31m49s
